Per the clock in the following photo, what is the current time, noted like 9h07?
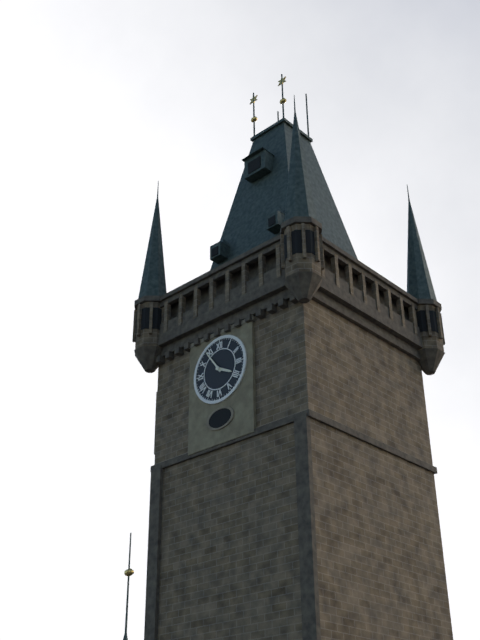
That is 3h54
